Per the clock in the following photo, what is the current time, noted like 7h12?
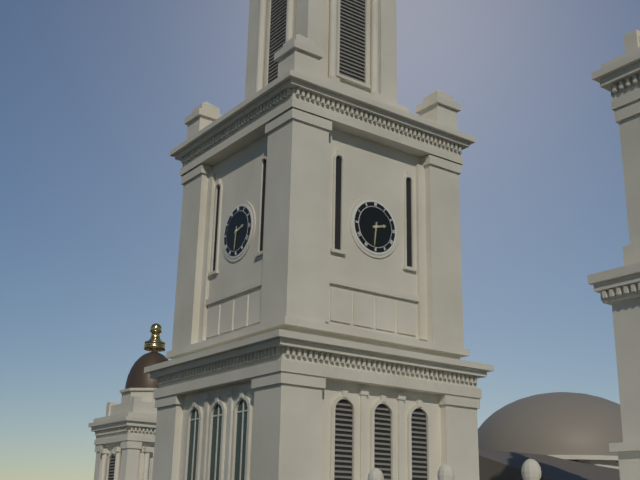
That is 2h31
